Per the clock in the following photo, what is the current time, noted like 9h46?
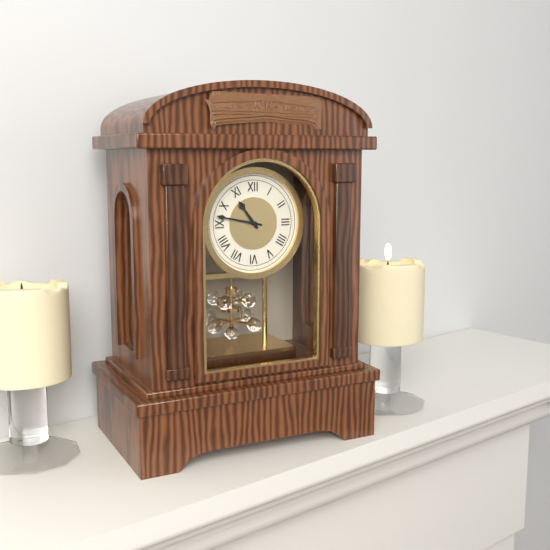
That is 10h47
